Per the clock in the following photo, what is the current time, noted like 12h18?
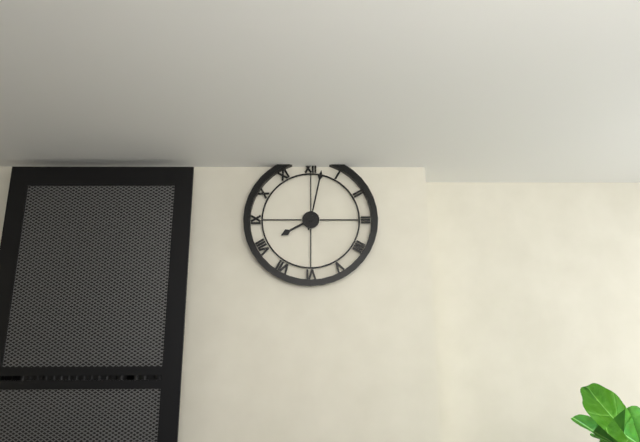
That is 8h02
